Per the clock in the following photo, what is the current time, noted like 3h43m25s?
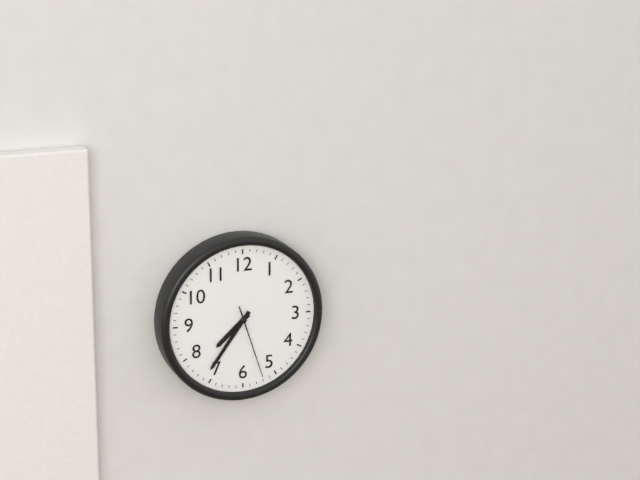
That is 7h36m27s
